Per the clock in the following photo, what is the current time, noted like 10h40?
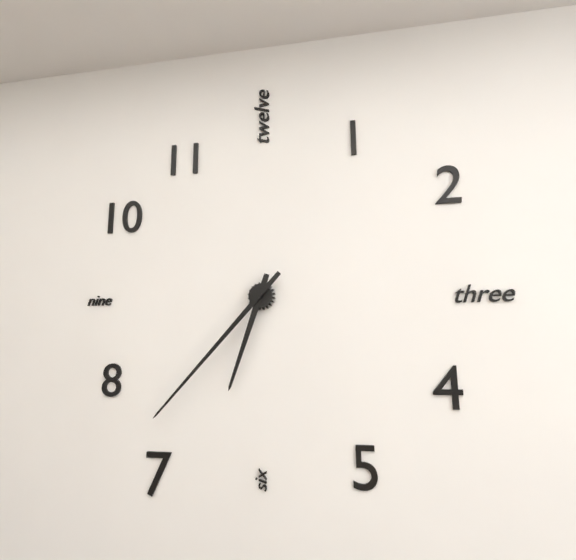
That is 6h37
